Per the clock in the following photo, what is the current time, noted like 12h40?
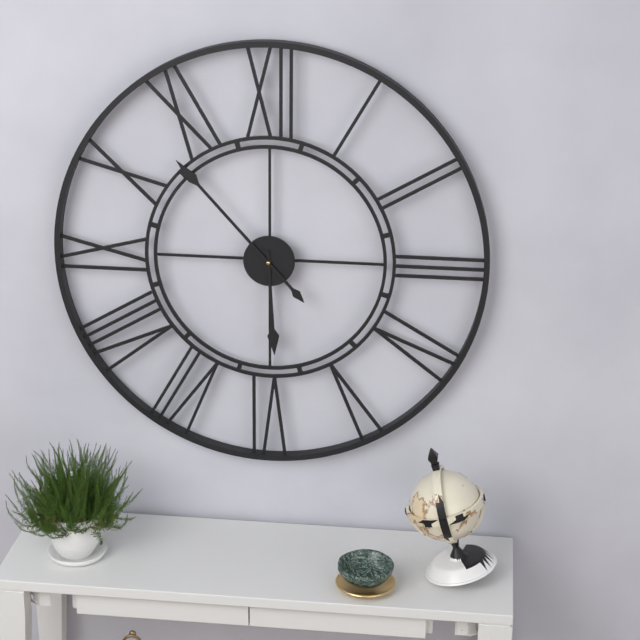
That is 5h53
